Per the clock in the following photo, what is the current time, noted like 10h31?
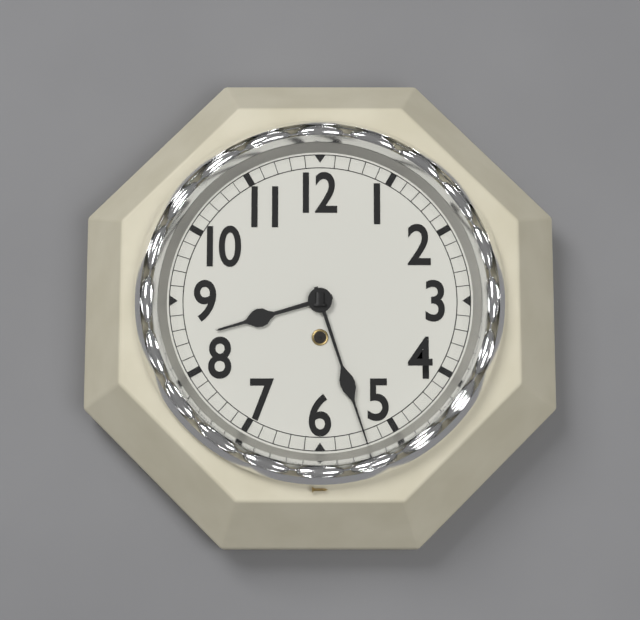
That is 8h27
